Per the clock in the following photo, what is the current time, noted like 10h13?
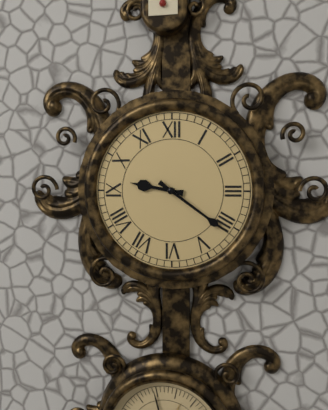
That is 9h21
